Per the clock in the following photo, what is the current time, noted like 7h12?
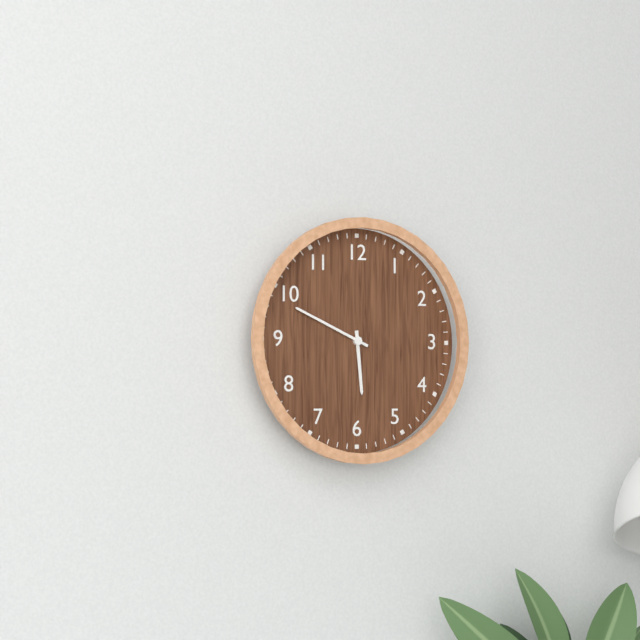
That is 5h49
